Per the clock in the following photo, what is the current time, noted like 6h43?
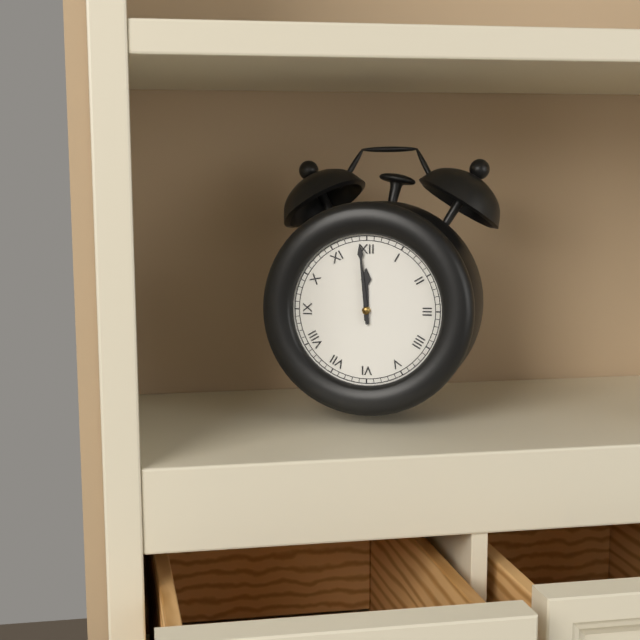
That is 11h59
